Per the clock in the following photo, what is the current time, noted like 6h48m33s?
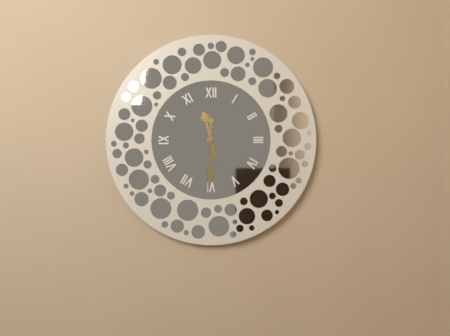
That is 11h30m31s
